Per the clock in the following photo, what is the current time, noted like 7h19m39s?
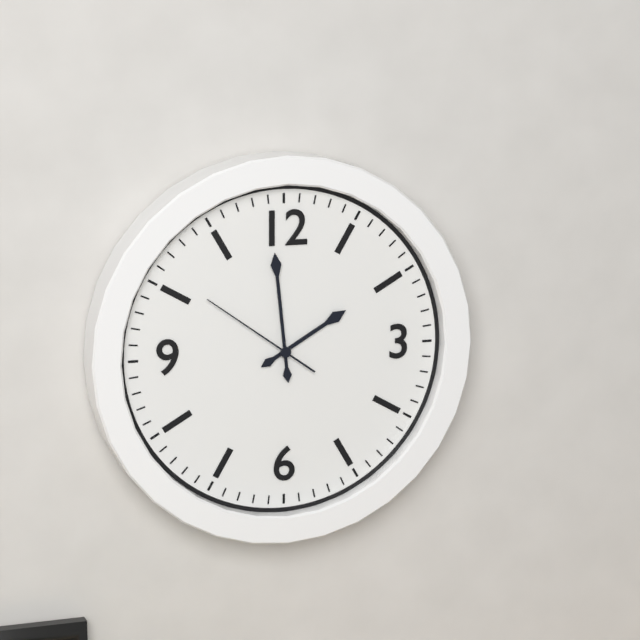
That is 1h59m51s
